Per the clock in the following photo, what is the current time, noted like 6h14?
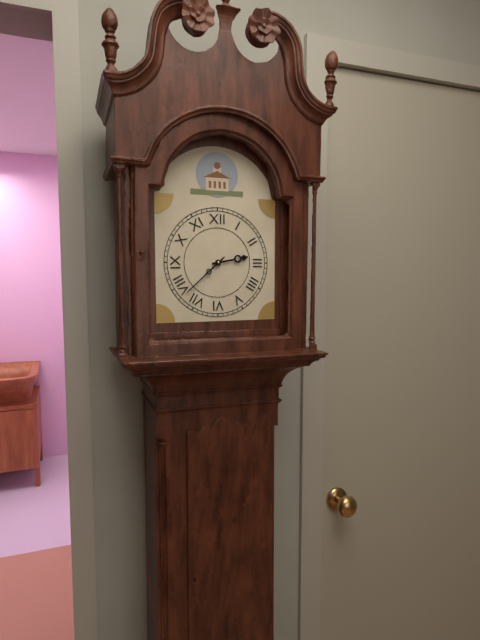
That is 2h38
